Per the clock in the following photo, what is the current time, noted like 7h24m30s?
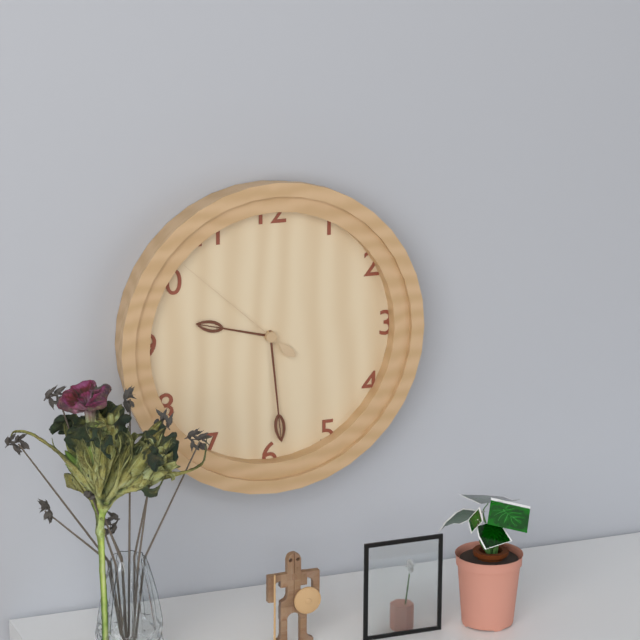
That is 9h29m52s
